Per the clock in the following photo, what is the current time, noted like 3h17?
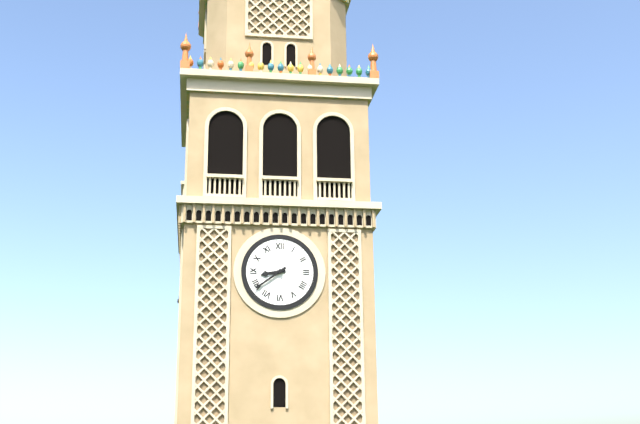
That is 8h39
